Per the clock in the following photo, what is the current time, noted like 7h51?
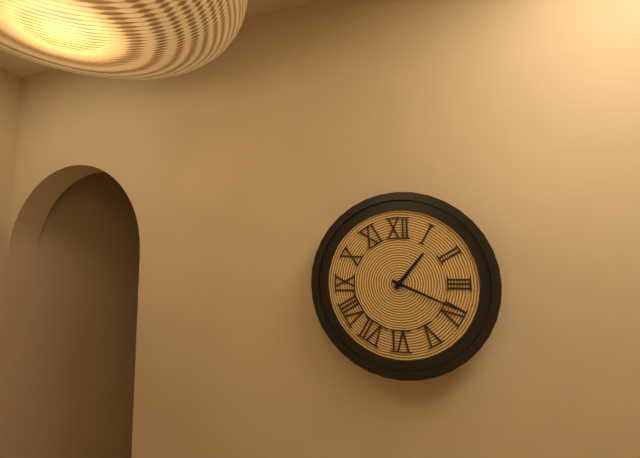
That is 1h19
